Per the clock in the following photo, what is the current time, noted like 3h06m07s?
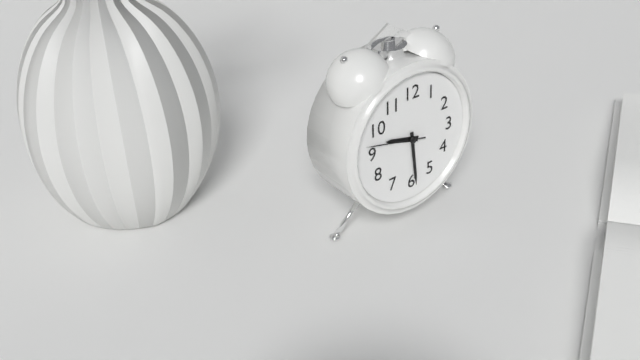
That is 9h29m47s
